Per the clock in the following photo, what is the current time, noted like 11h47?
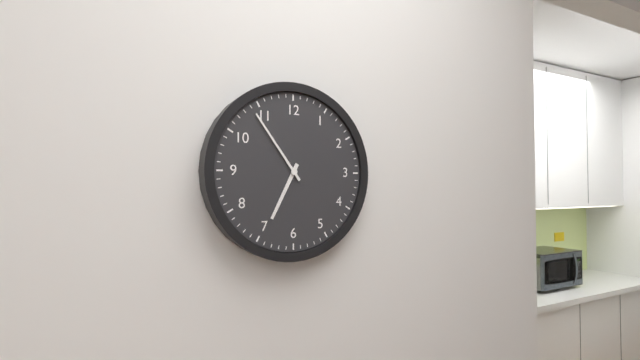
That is 6h54
